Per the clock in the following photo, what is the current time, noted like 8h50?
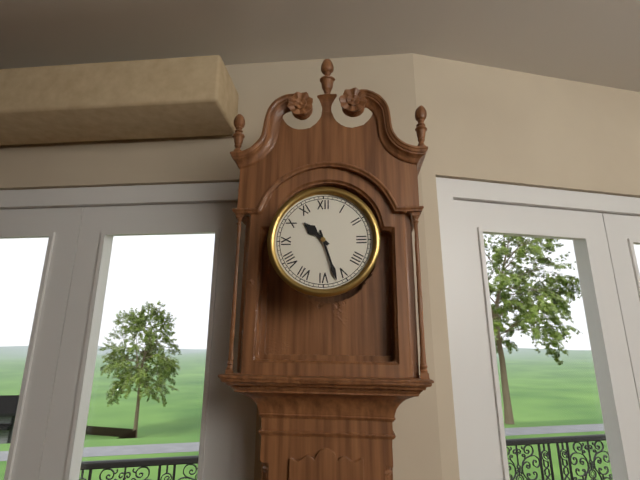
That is 10h27
